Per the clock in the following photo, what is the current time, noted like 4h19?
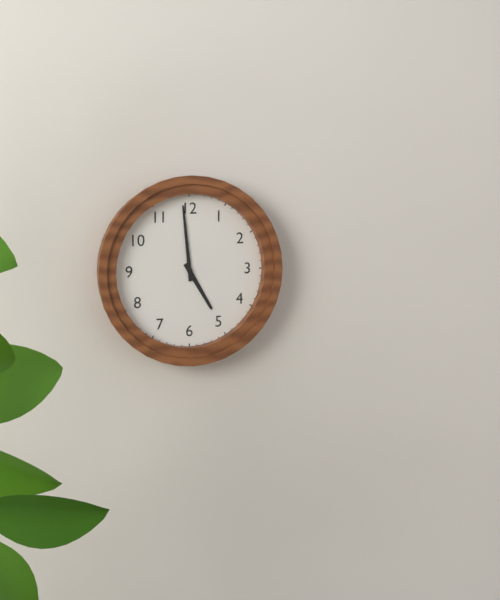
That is 4h59
